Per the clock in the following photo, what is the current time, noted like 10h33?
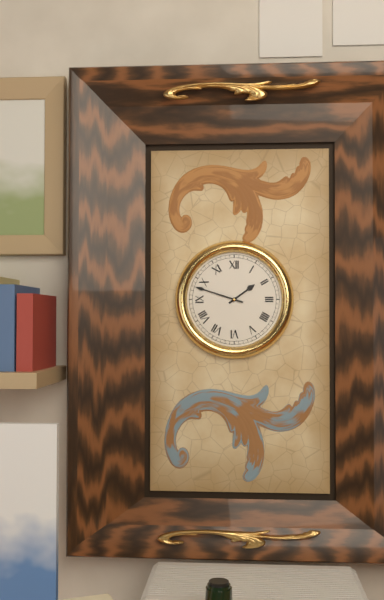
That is 1h48
